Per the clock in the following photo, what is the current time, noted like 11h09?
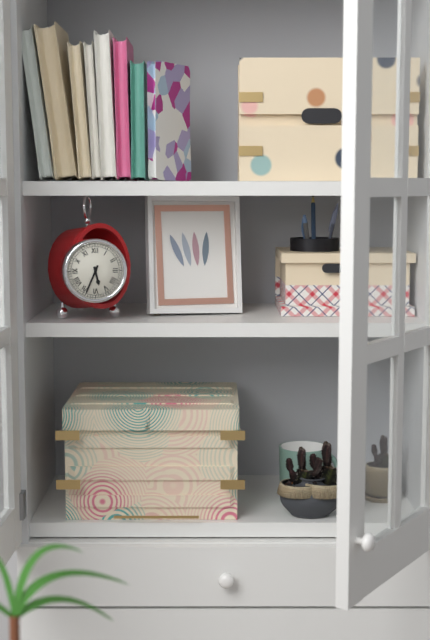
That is 5h34
